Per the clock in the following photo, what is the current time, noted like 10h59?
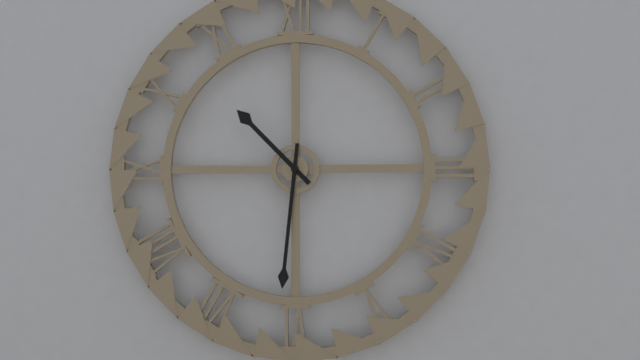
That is 10h31
